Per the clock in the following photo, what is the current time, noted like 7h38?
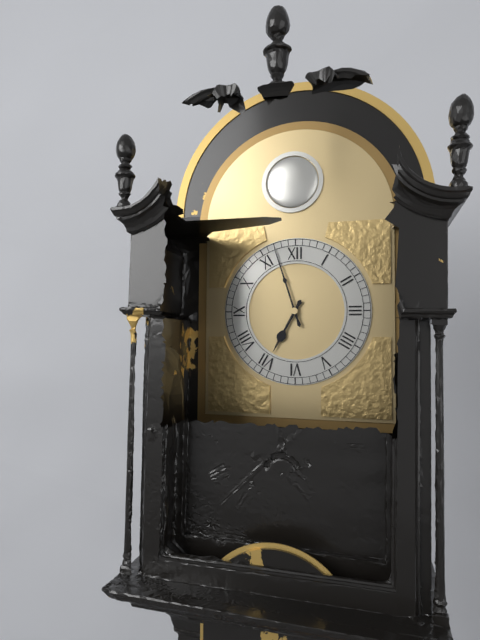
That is 6h57
